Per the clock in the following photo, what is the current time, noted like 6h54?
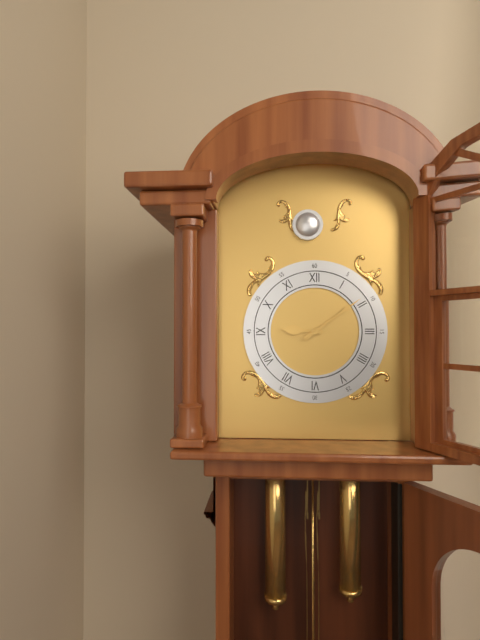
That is 9h09
